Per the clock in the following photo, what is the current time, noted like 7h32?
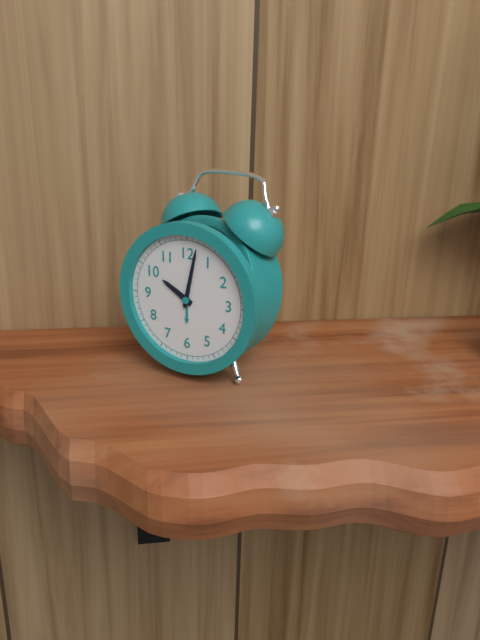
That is 10h02
